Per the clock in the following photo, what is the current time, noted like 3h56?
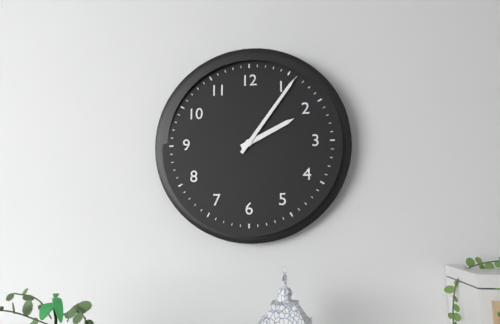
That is 2h06
